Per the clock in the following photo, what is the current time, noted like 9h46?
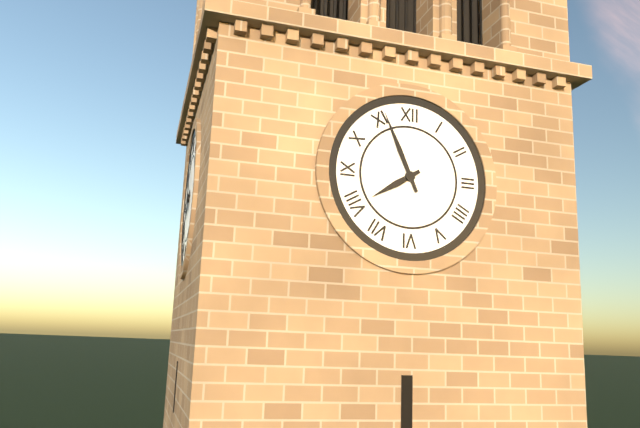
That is 7h56
